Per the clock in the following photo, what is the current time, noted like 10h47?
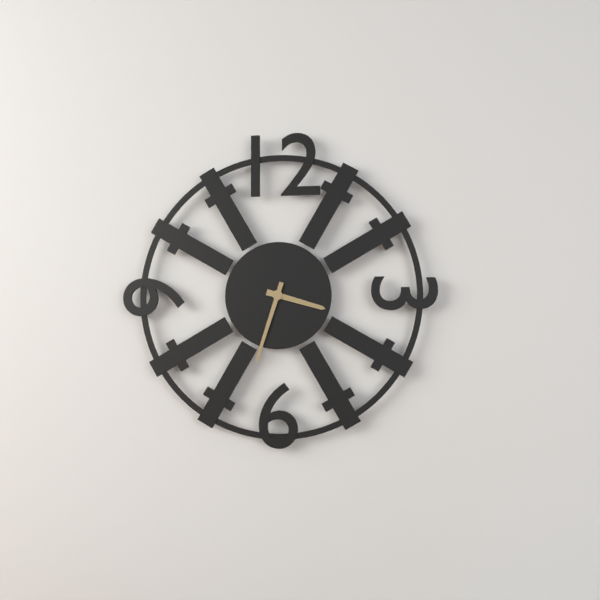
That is 3h33
